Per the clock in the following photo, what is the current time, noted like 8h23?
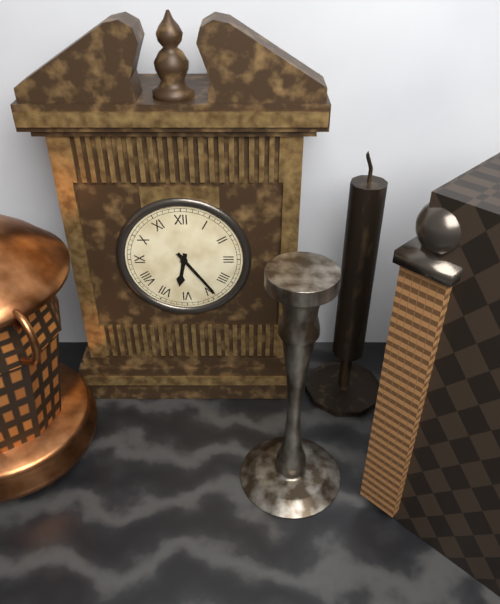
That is 6h24
